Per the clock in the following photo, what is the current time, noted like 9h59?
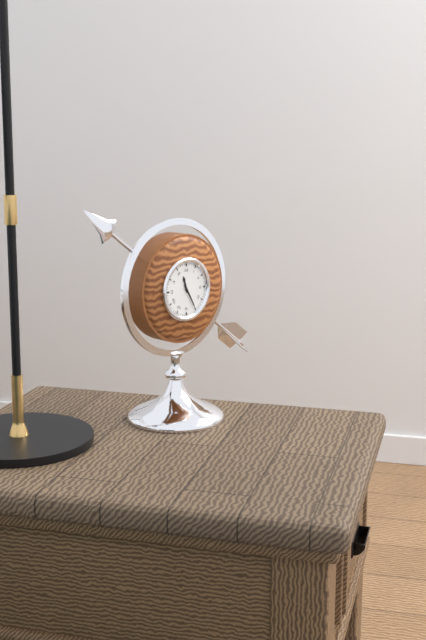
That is 11h25
